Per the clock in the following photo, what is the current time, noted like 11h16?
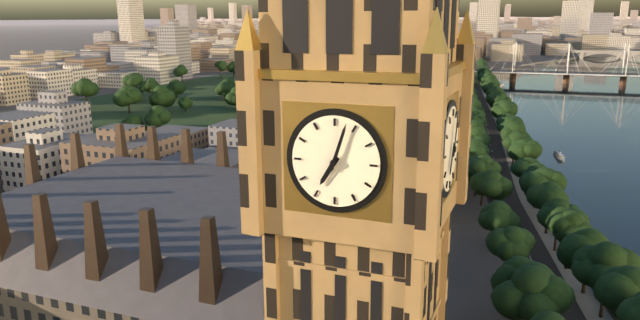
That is 7h03
